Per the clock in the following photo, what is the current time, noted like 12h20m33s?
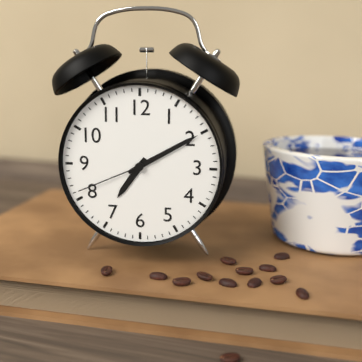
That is 7h10m41s
